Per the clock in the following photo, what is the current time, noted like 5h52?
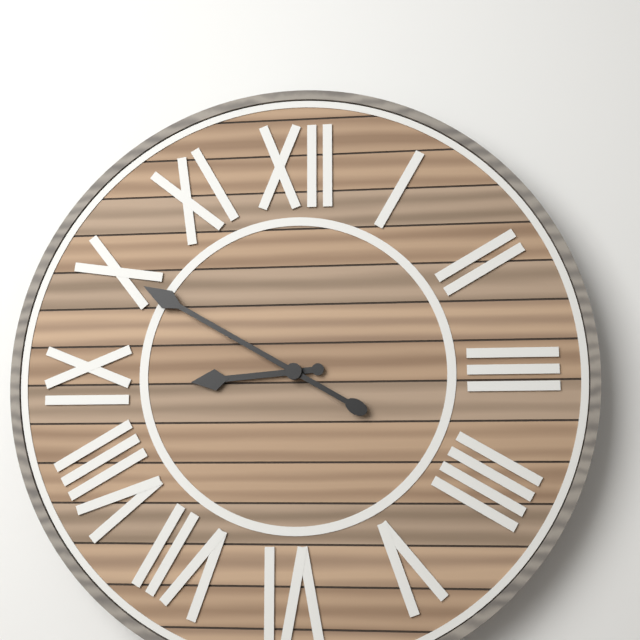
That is 8h50
